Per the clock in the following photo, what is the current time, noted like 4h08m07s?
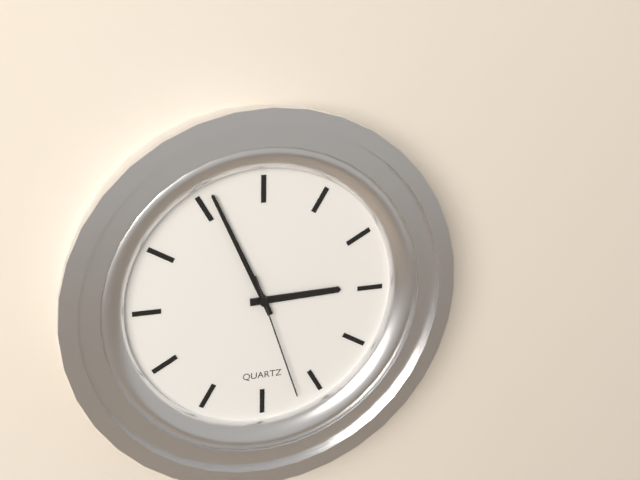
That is 2h56m27s
